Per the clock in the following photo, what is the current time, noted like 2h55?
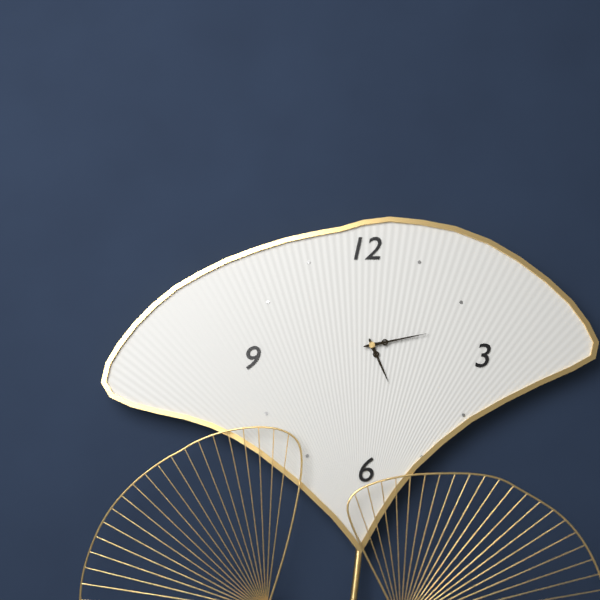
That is 5h13
